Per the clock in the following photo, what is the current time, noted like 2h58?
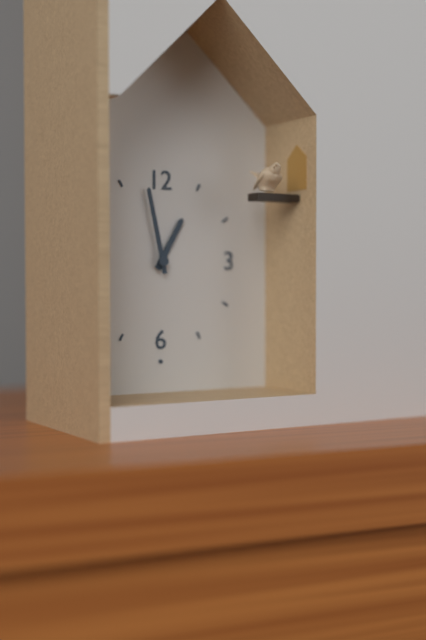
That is 12h58
